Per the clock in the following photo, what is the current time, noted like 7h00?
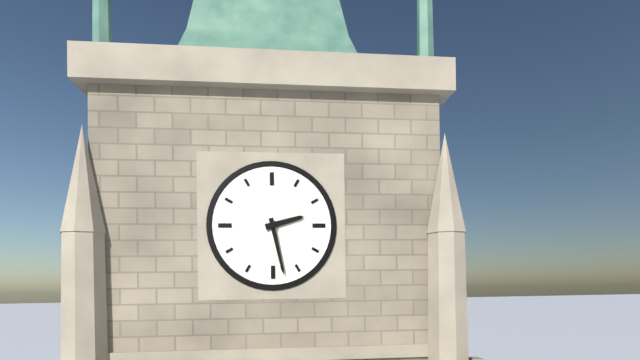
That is 2h28
